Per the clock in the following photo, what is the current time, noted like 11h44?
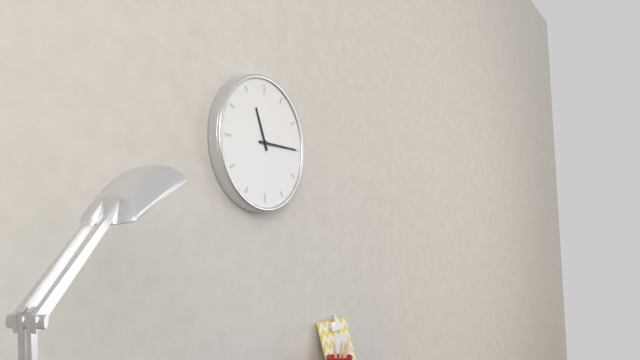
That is 11h15
